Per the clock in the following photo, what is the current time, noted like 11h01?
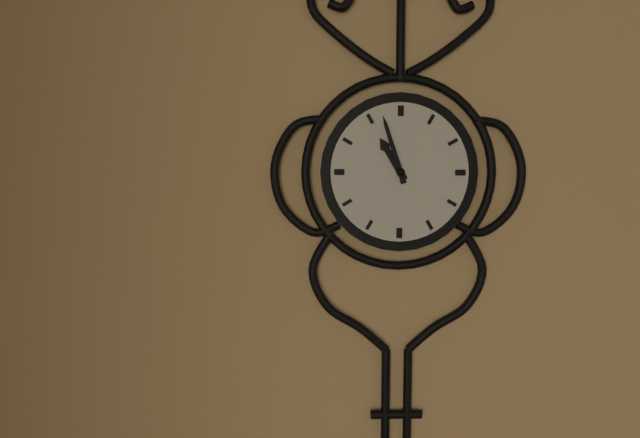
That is 10h57
